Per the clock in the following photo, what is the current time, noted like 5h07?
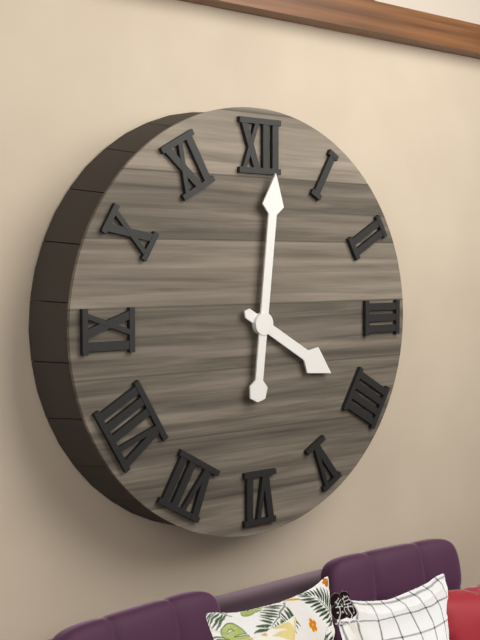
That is 4h01
